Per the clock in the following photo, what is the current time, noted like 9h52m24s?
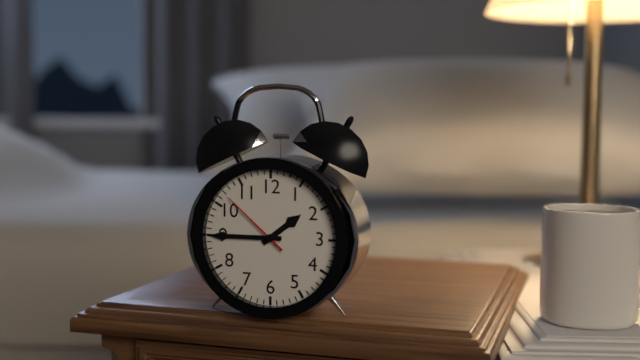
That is 1h45m52s
